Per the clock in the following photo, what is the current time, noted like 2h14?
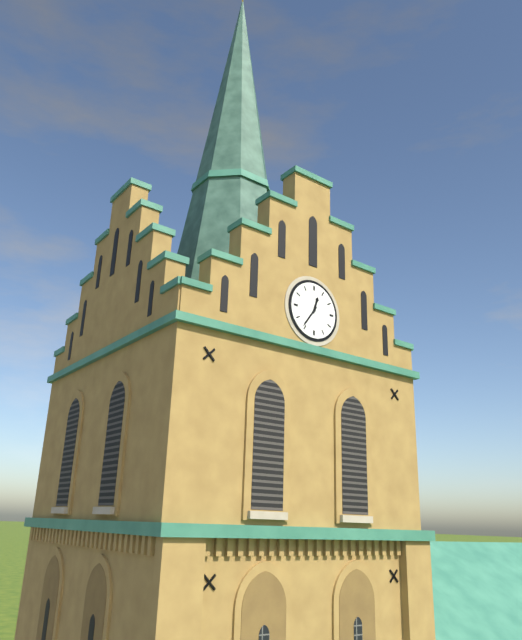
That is 12h36
